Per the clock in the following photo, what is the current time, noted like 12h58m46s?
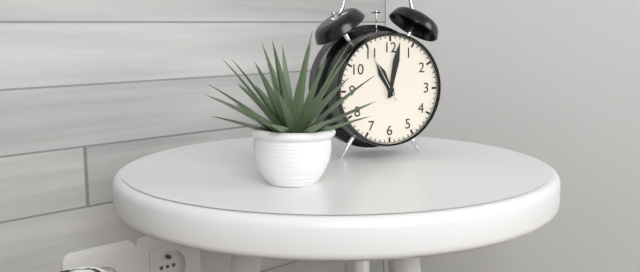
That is 11h02m55s
